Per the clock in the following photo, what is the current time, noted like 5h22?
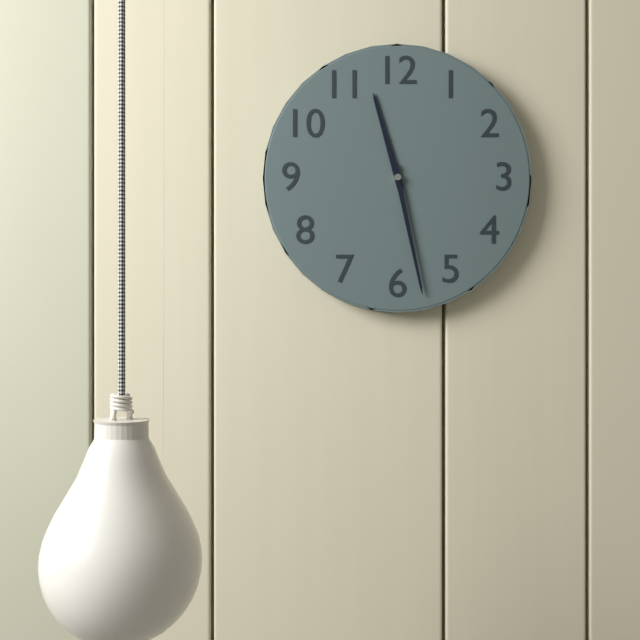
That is 11h28
